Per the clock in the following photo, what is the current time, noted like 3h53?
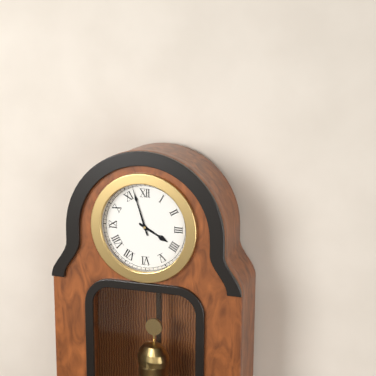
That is 3h57
